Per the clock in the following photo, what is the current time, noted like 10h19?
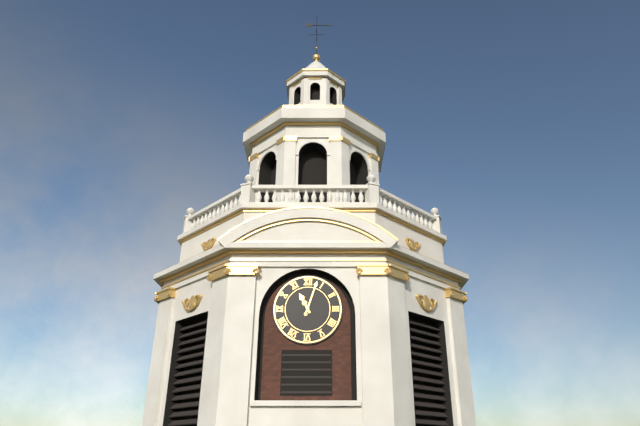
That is 11h03
